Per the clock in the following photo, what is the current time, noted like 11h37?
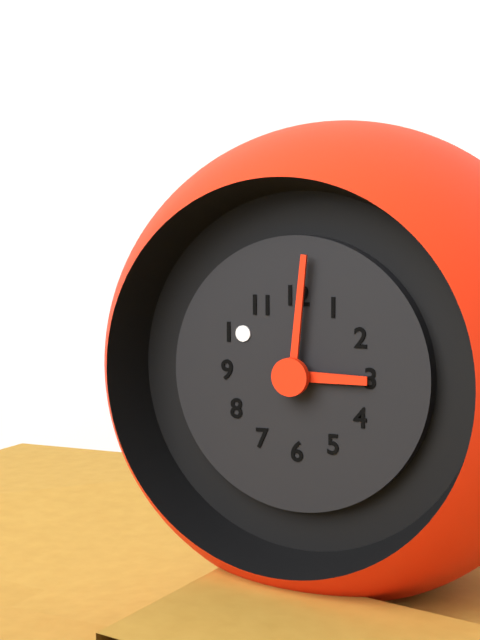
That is 3h01
